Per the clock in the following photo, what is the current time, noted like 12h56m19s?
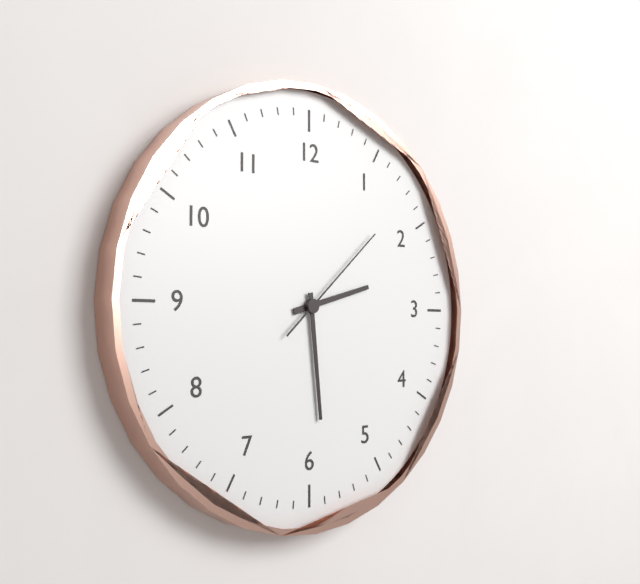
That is 2h29m08s
